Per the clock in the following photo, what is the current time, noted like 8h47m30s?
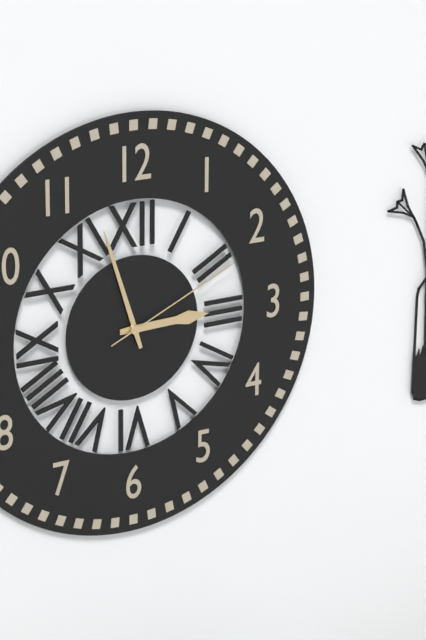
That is 2h57m11s
